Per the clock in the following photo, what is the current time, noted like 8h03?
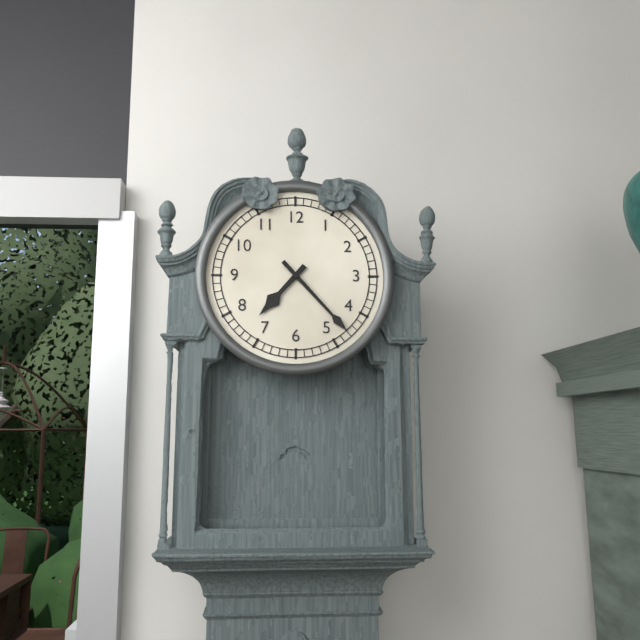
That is 7h23
